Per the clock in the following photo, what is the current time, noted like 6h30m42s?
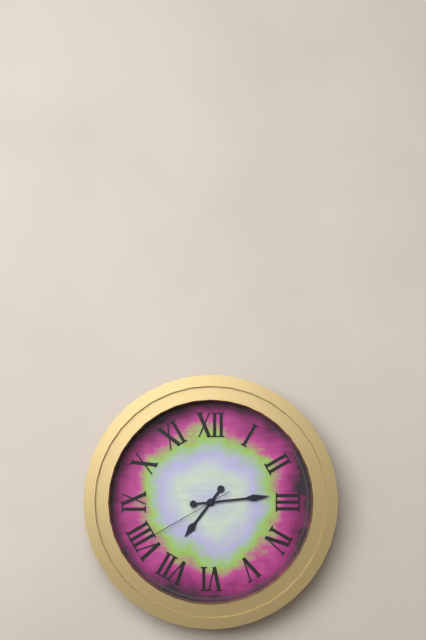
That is 7h14m40s
